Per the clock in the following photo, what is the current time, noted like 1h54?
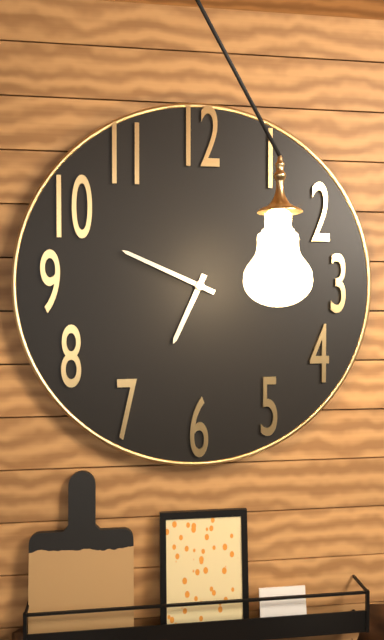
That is 6h49
